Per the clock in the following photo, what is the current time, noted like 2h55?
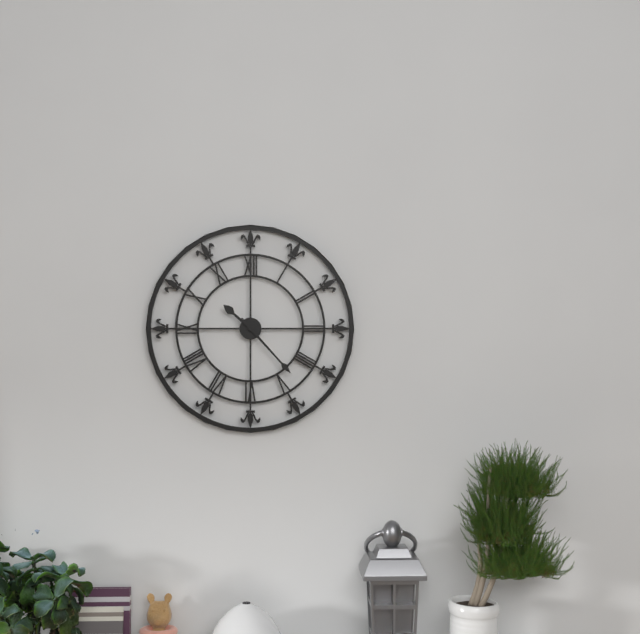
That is 10h23
